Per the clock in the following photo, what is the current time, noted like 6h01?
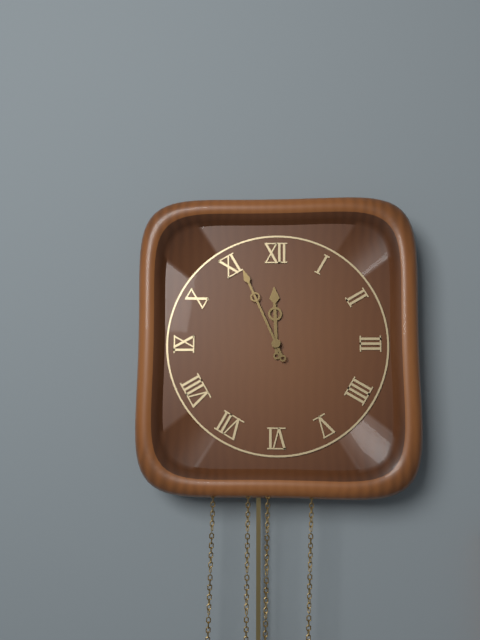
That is 11h56
